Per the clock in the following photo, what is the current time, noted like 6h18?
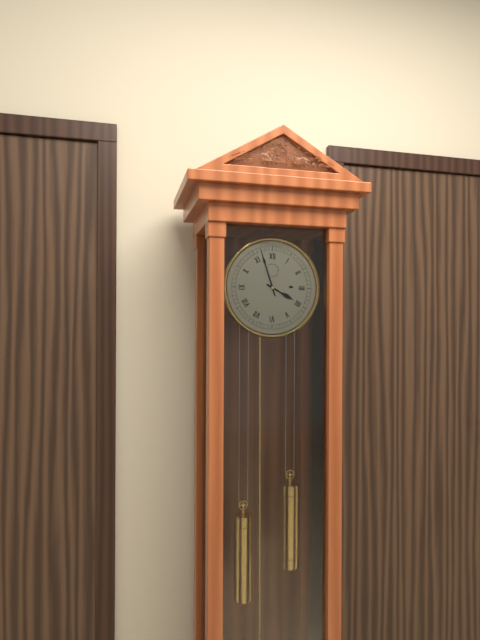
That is 3h57
